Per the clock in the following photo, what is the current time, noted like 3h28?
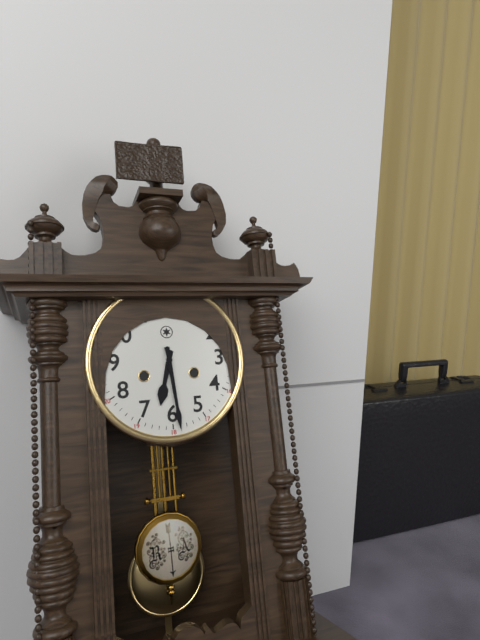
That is 6h29
